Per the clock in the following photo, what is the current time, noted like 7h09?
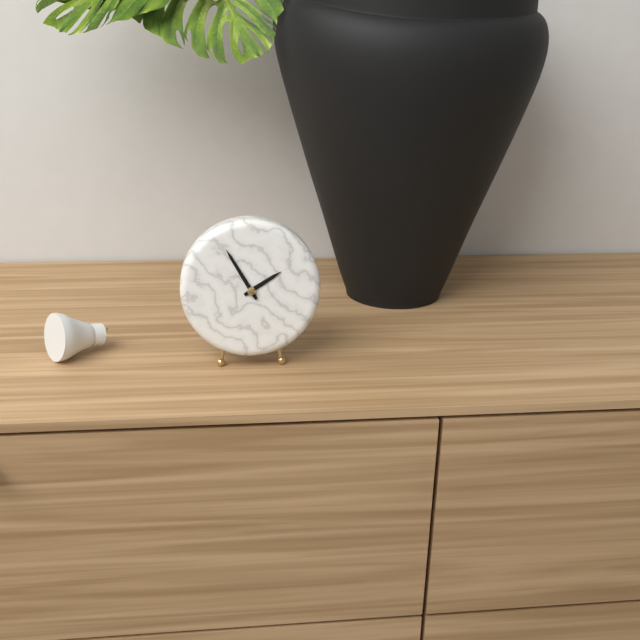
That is 1h55
